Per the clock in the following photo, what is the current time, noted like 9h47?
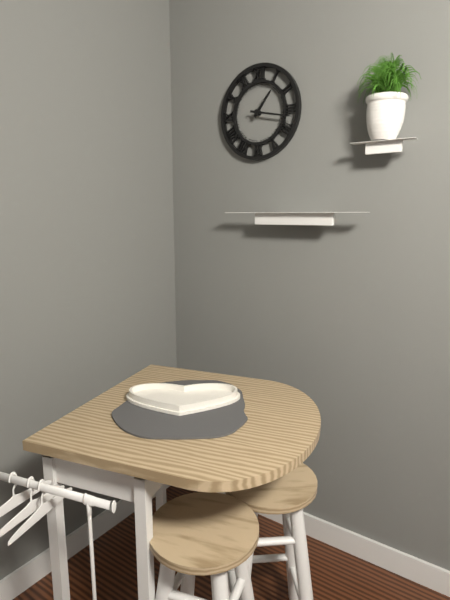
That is 1h17
